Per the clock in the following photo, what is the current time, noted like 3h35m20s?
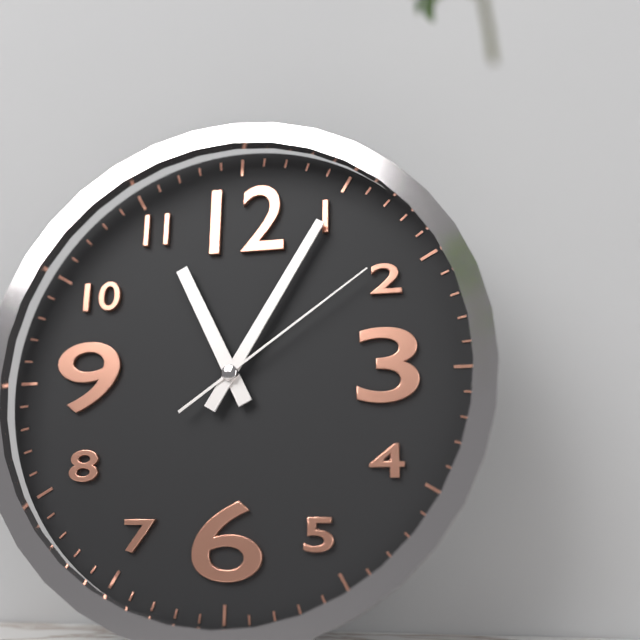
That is 11h05m09s
